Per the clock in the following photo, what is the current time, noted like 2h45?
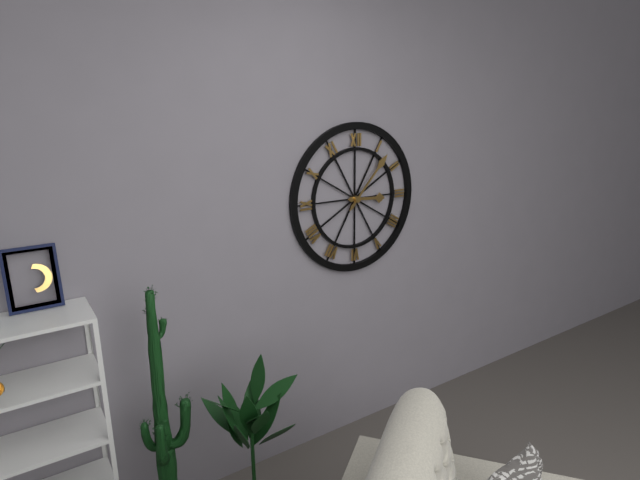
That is 3h07
